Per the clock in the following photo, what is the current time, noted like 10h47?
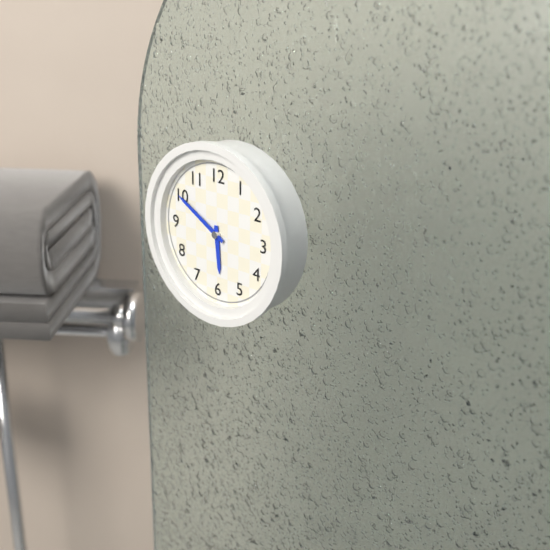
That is 5h50
